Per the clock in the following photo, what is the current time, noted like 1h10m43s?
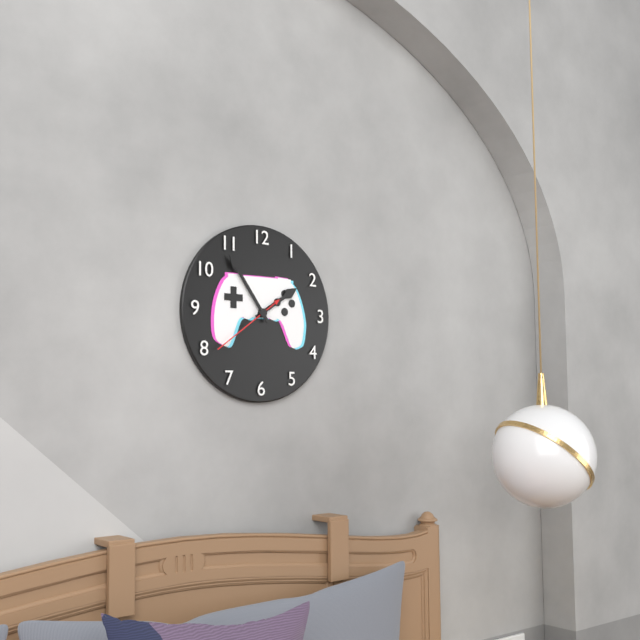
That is 1h54m39s
